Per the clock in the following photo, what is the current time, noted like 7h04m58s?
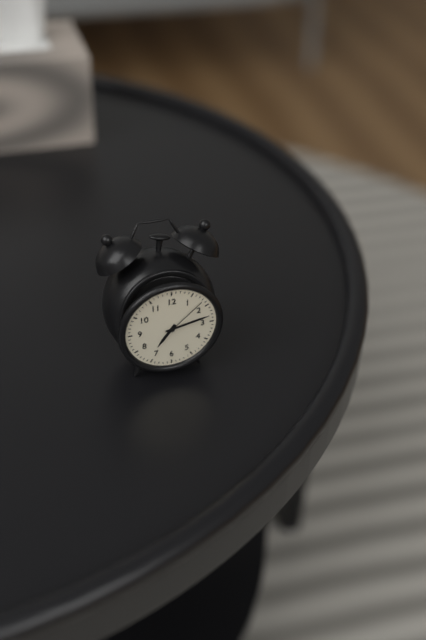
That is 7h13m08s
